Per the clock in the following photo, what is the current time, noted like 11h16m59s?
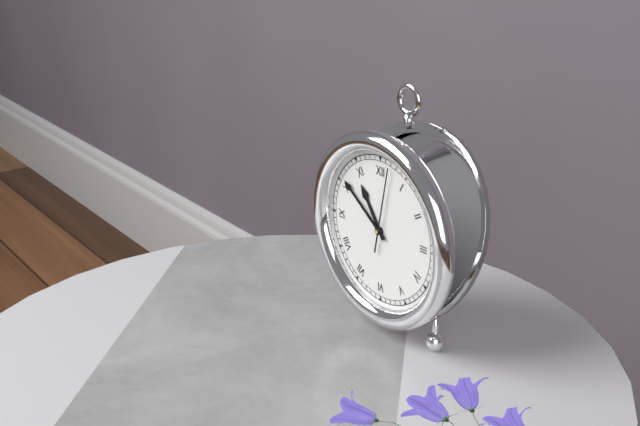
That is 10h51m02s
